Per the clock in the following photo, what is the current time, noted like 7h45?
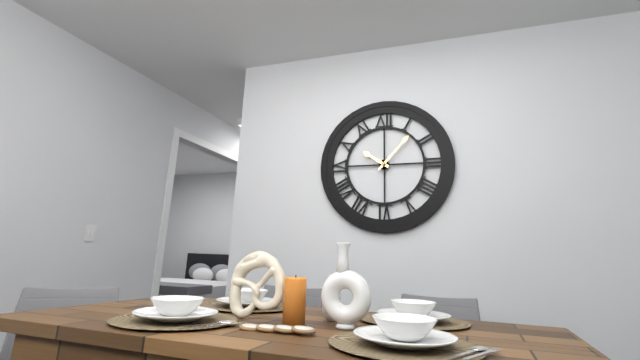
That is 10h07
